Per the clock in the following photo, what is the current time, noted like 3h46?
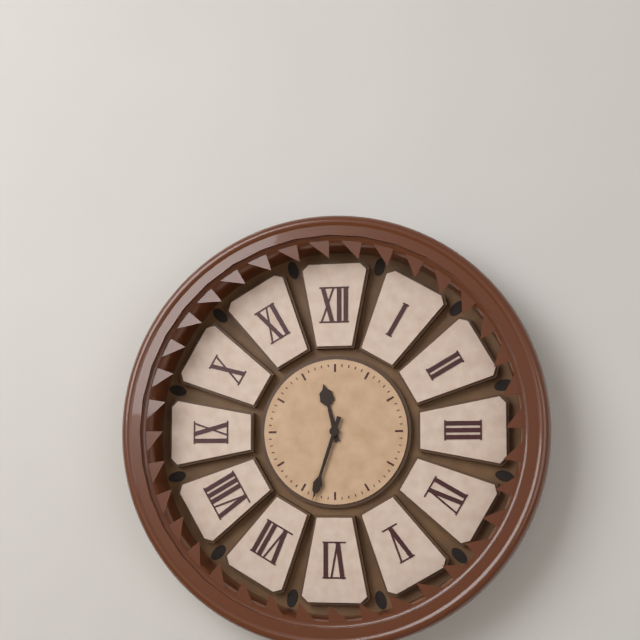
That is 11h33
